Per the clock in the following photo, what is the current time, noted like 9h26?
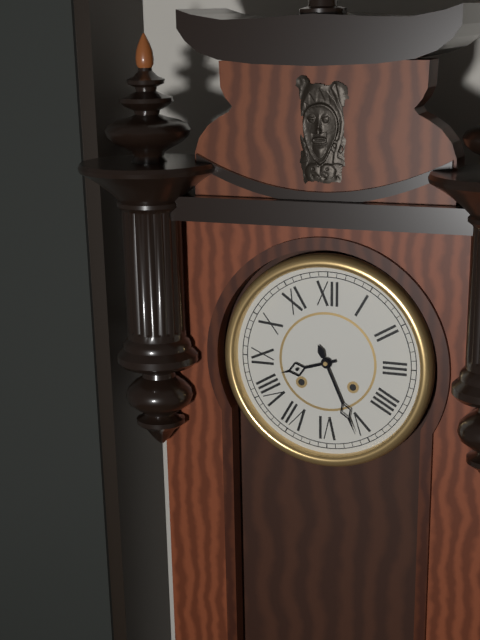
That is 8h26
